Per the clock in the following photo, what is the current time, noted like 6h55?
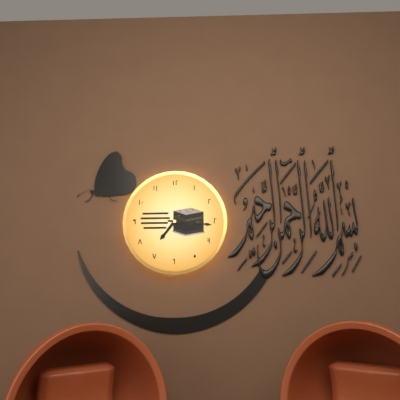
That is 7h16
